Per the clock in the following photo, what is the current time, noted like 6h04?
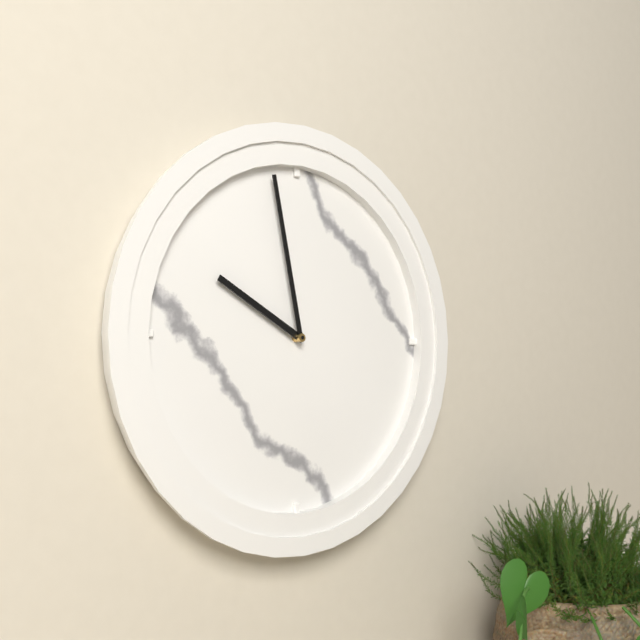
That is 9h58
